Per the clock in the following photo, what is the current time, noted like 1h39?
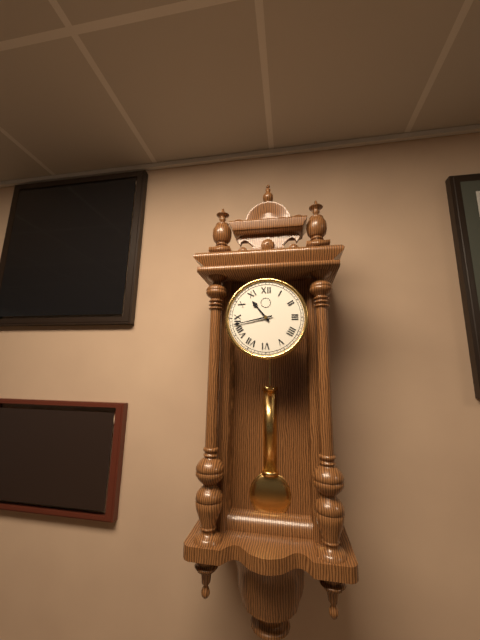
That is 10h43
